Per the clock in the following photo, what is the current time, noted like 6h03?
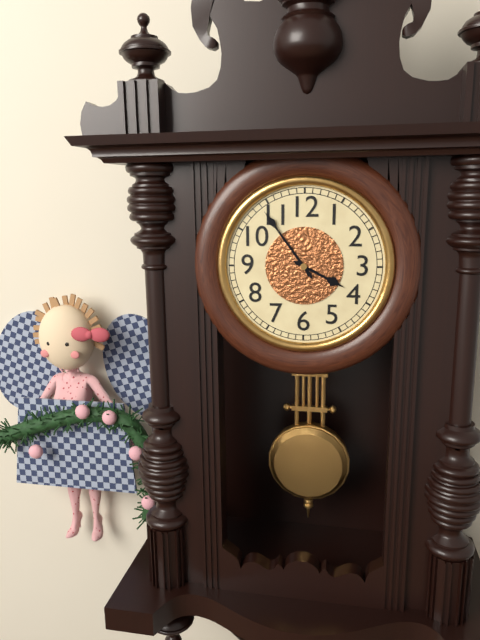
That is 3h54
